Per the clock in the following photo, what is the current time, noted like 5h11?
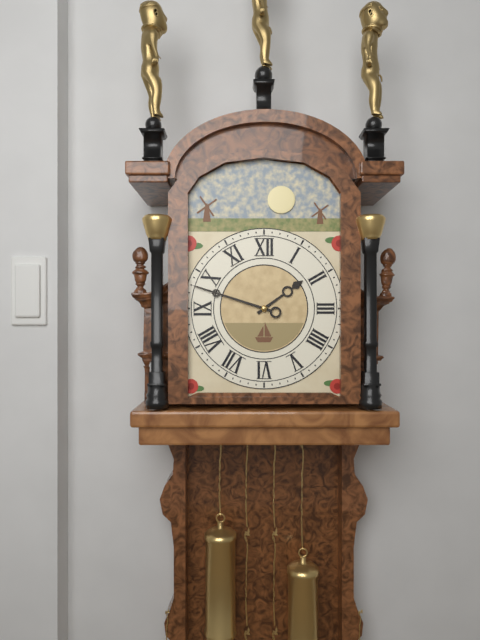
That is 1h48
